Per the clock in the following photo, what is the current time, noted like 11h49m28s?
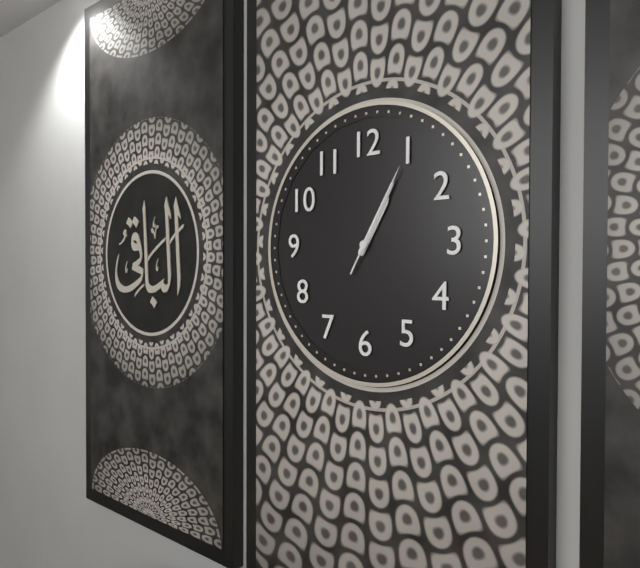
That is 1h05m05s
